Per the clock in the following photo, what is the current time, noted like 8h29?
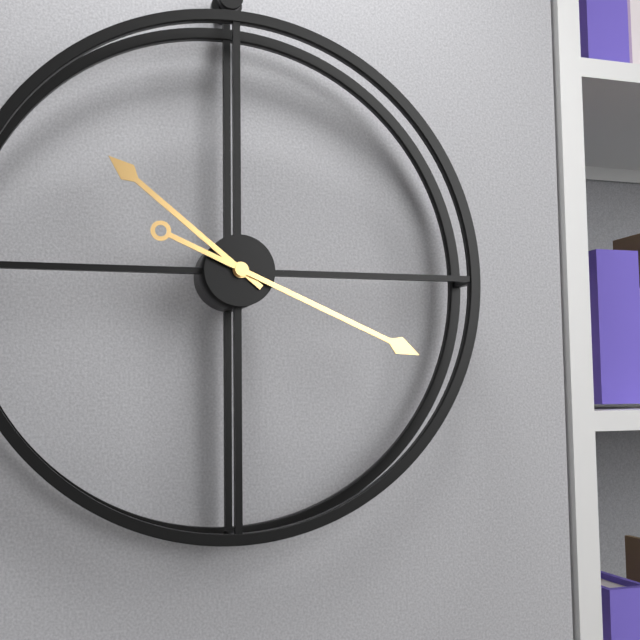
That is 10h19
